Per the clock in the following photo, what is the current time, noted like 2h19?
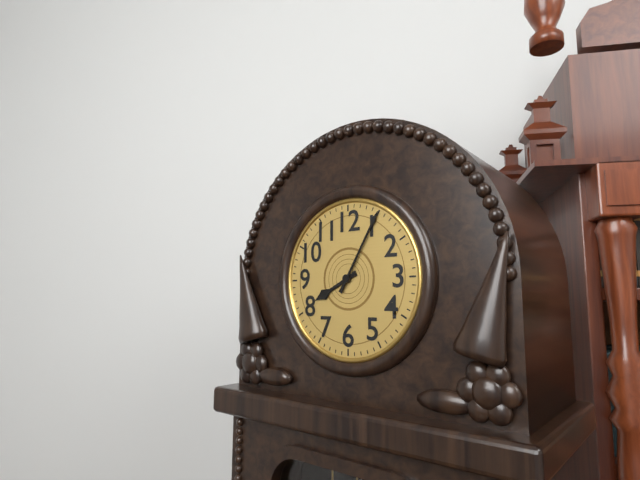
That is 8h05
